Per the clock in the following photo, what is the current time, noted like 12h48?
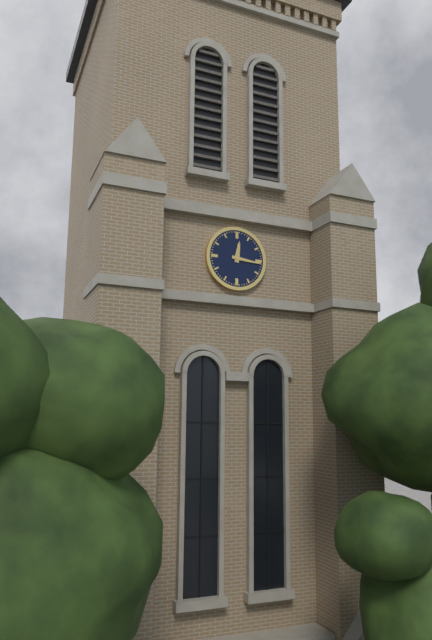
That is 12h16
